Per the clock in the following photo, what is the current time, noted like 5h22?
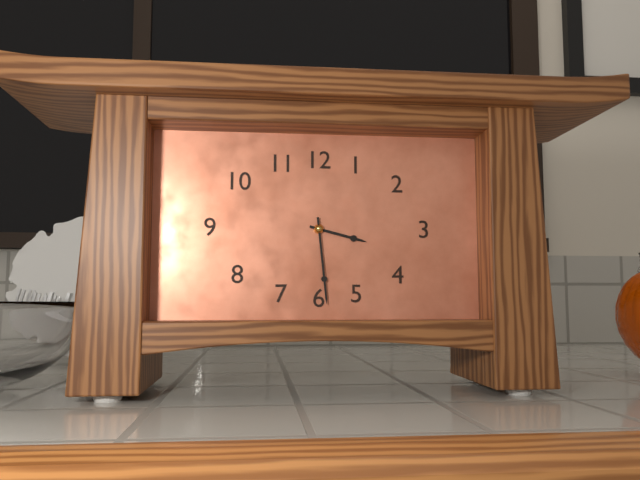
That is 3h29
